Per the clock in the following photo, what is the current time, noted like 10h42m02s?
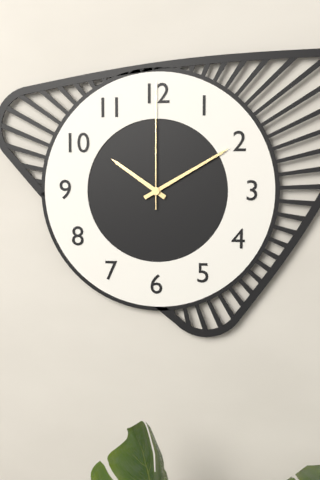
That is 10h10m00s
